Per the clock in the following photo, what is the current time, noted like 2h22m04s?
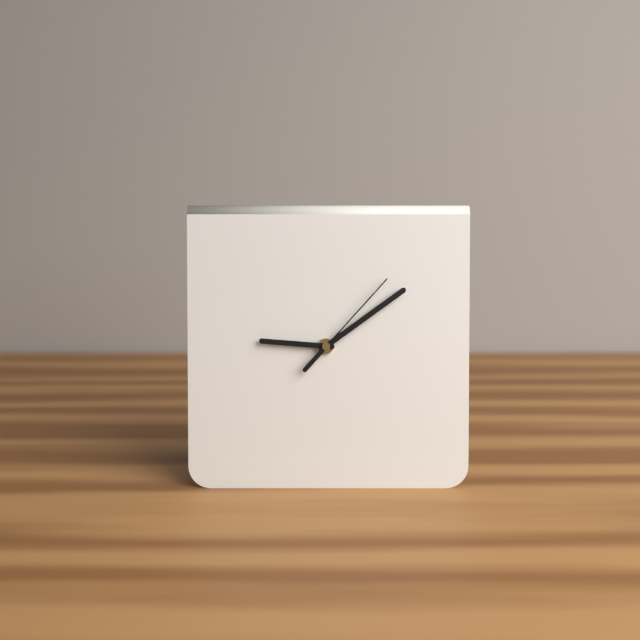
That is 9h09m07s
